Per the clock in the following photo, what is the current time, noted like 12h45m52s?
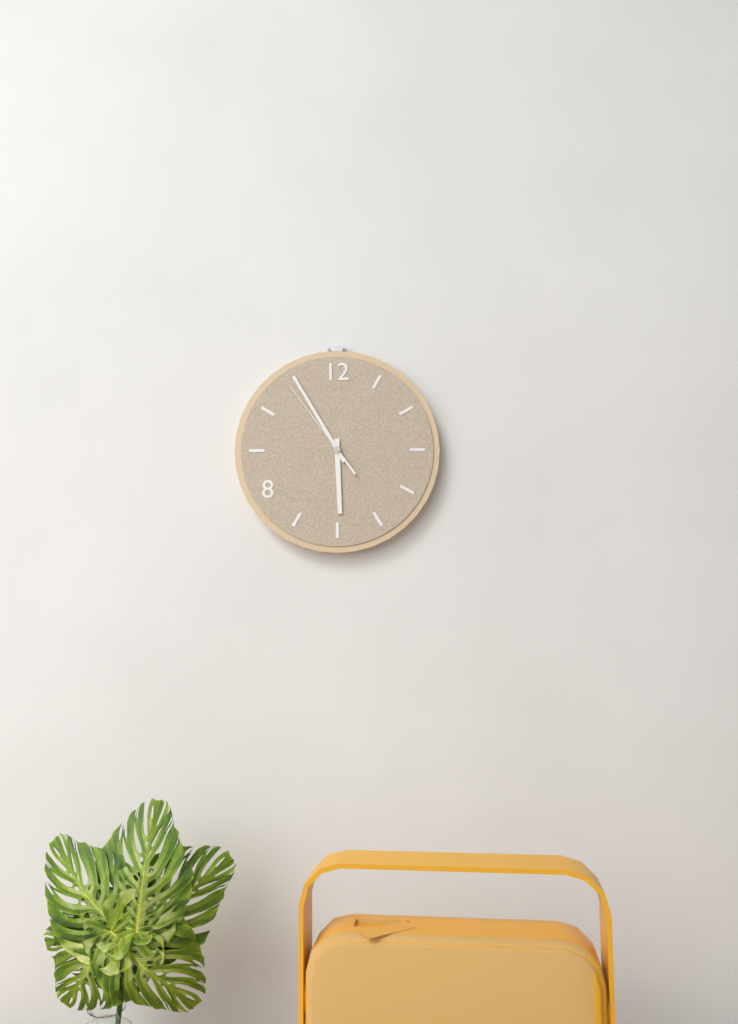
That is 5h55m54s
